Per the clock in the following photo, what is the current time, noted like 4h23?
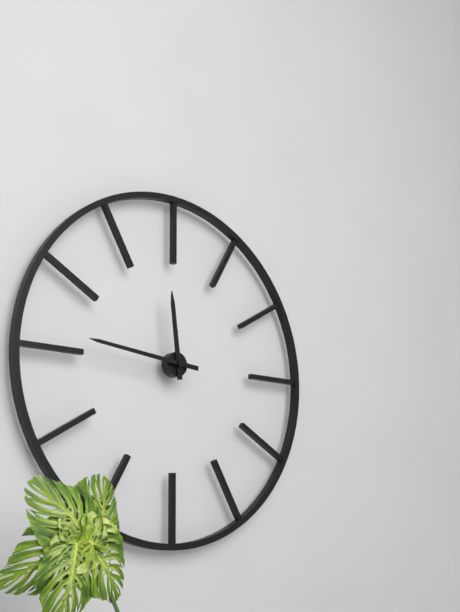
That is 11h46
